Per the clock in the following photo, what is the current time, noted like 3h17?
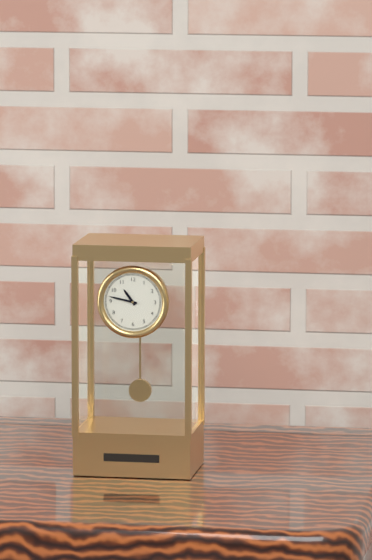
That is 10h47
